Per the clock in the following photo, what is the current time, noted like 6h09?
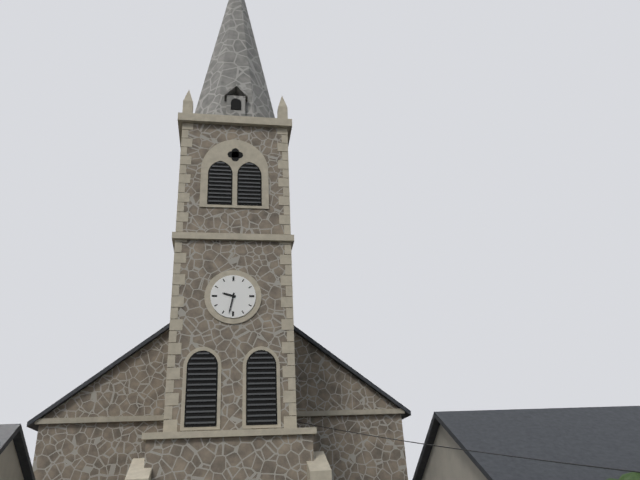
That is 9h32
